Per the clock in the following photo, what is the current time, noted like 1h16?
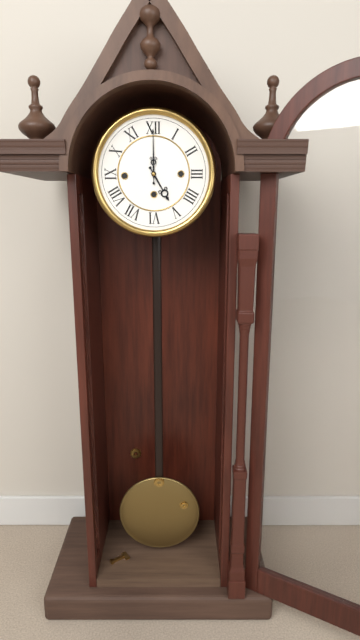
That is 5h00
